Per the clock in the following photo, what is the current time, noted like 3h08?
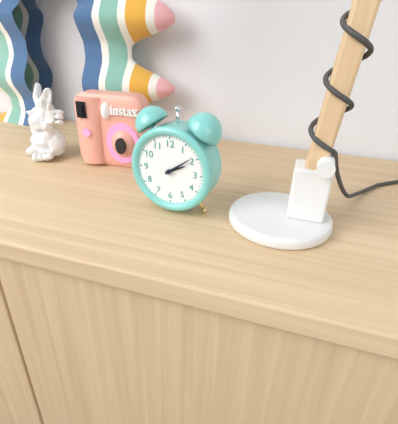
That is 2h09
